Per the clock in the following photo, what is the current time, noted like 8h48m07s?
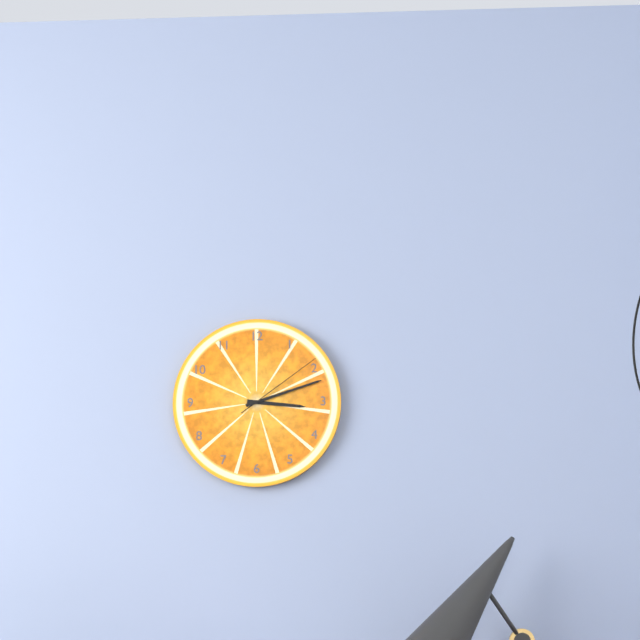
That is 3h12m09s
